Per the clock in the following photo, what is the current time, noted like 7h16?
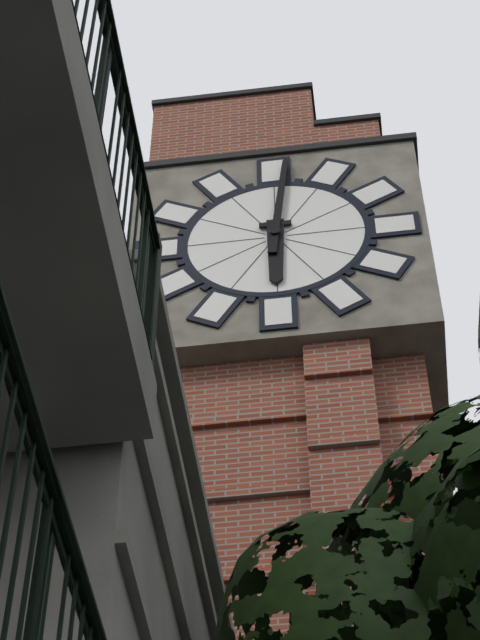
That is 6h01
